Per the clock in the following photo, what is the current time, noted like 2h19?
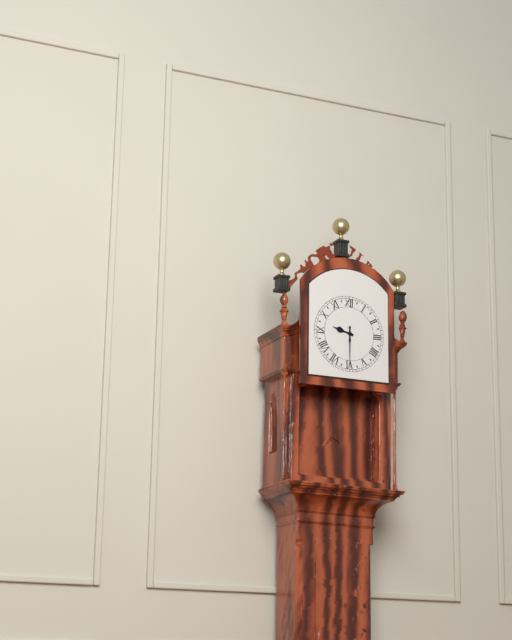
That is 9h30
